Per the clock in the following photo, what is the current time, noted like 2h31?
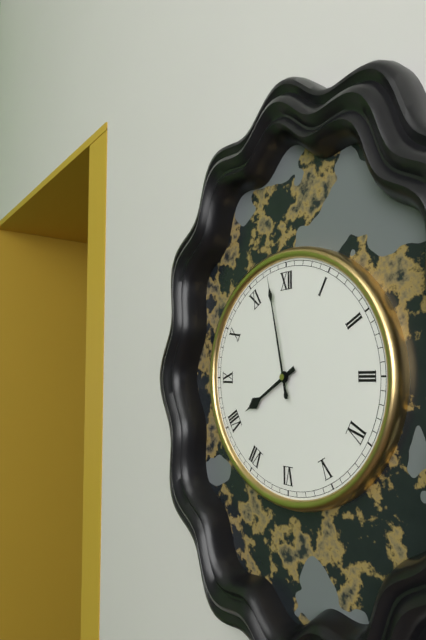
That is 7h58
